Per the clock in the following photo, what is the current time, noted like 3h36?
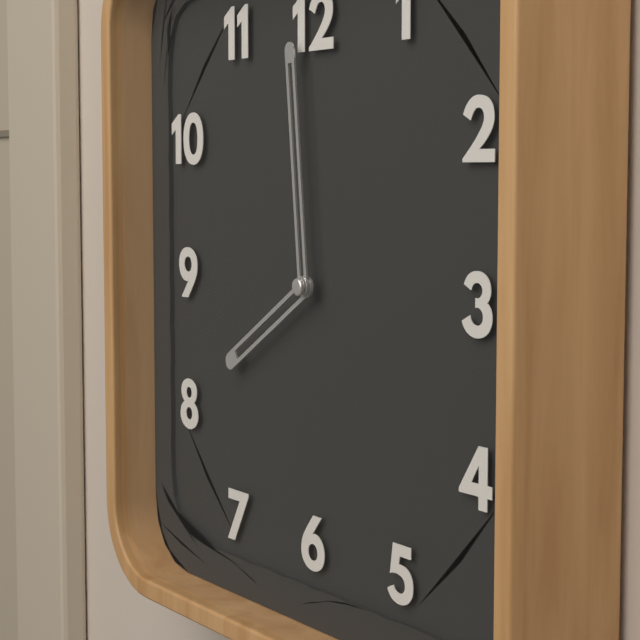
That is 7h59
